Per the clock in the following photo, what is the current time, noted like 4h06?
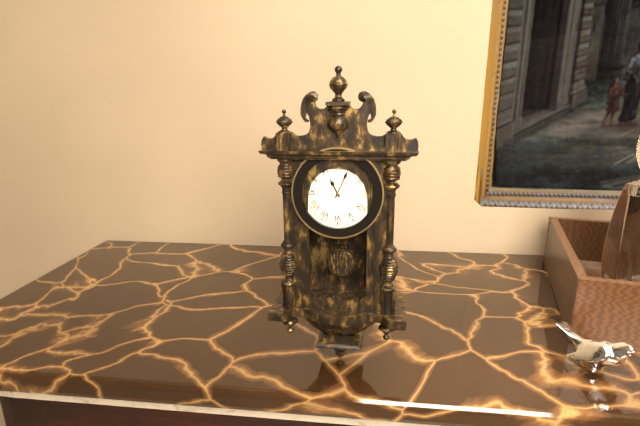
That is 11h04
